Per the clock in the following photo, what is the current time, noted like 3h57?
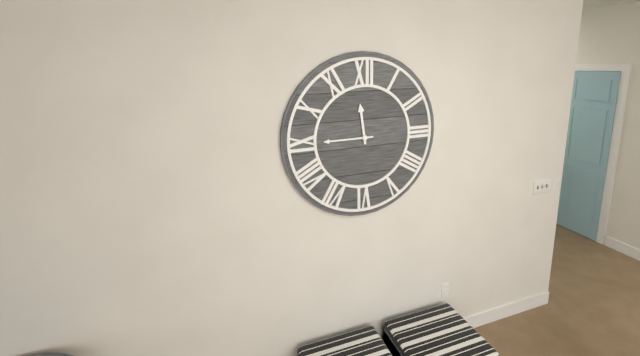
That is 11h45
